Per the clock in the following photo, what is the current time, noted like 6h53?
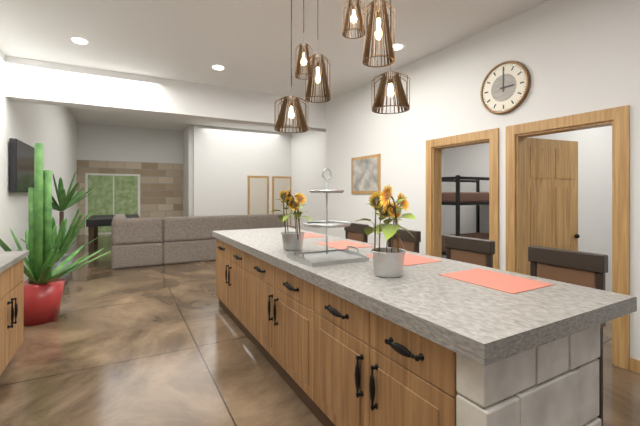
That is 3h00
